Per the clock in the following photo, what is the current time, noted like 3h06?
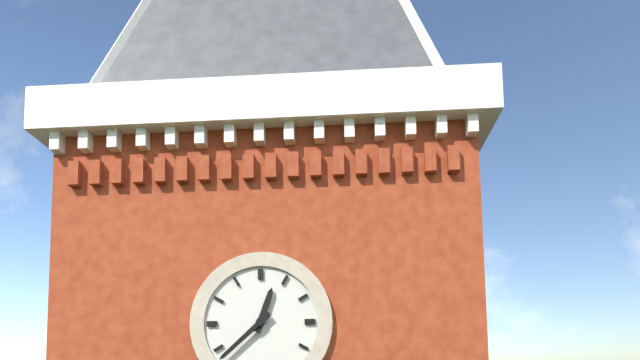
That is 12h38
